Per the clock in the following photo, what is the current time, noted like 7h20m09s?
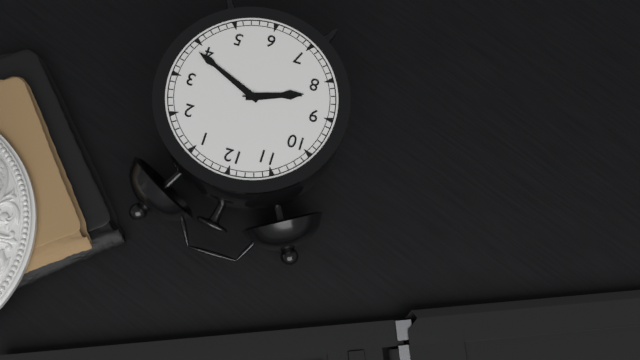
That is 8h19m42s
